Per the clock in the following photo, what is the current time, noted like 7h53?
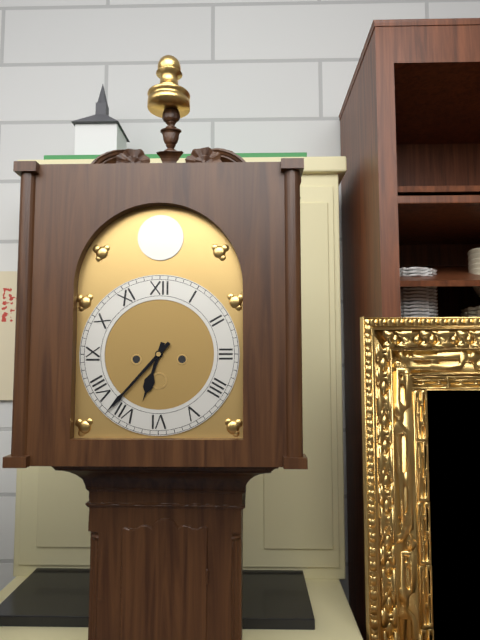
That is 6h37
